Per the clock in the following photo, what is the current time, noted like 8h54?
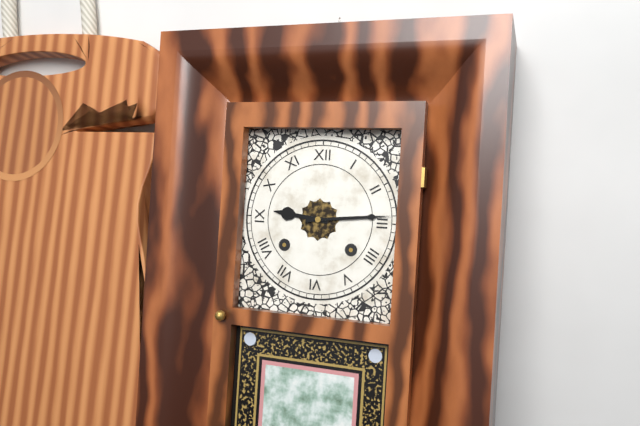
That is 9h14
